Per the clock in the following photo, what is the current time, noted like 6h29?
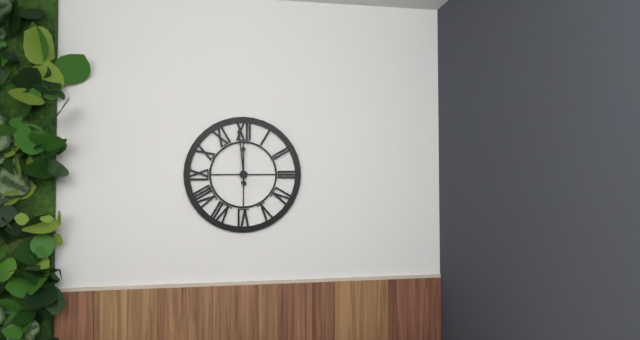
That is 11h59
